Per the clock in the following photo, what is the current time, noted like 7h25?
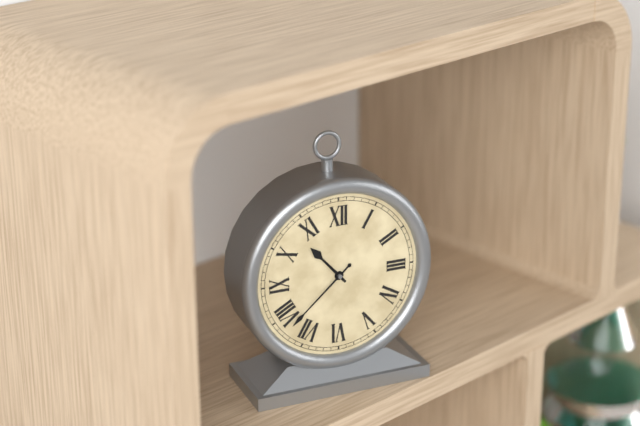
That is 10h38
